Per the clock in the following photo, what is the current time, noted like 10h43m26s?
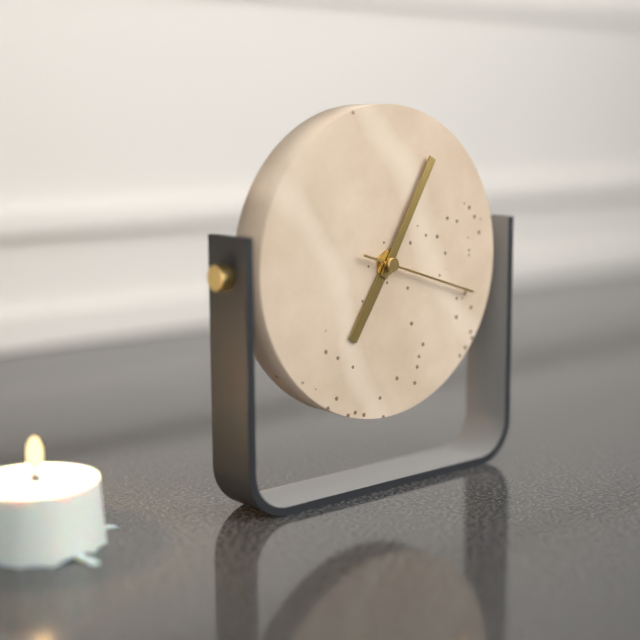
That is 7h05m18s
